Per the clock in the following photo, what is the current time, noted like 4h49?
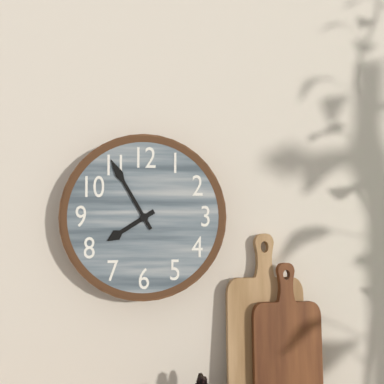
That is 7h55
